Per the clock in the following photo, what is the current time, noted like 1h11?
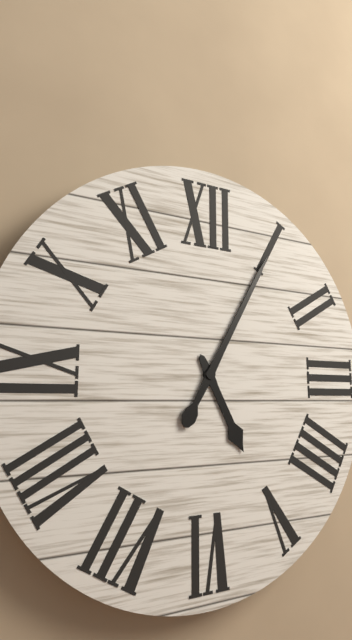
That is 5h05
